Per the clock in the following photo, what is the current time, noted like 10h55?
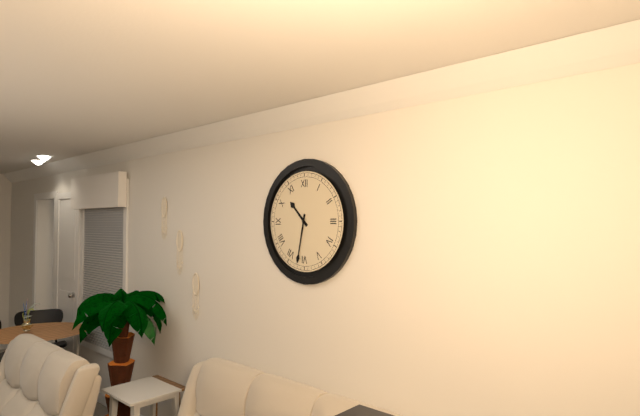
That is 10h32
